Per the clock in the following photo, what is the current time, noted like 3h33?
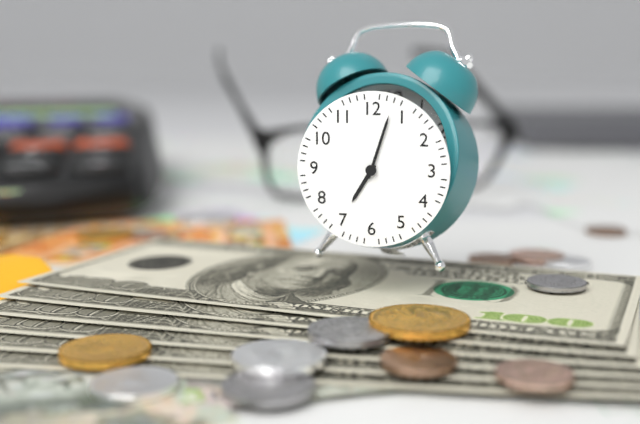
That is 7h03
